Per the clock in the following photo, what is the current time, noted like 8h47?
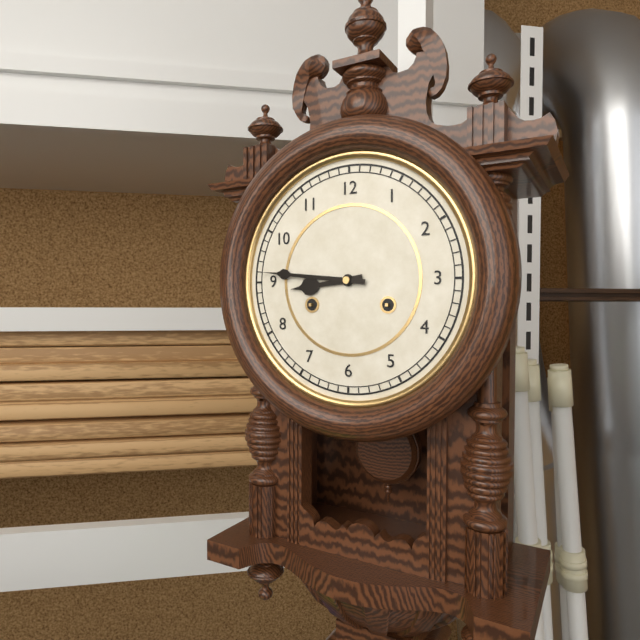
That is 8h46
